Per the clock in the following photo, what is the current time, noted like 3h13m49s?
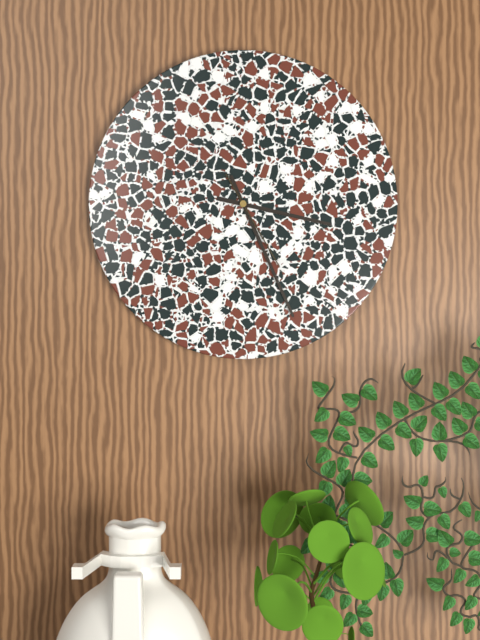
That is 3h26m25s
